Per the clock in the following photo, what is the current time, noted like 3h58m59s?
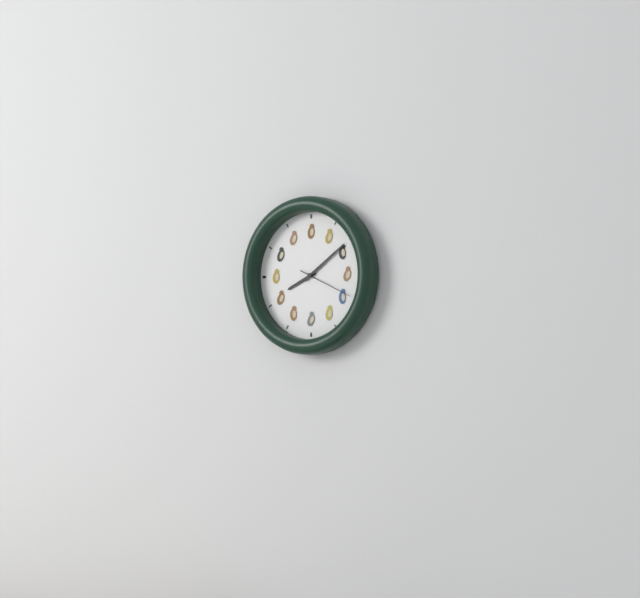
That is 8h09m19s
